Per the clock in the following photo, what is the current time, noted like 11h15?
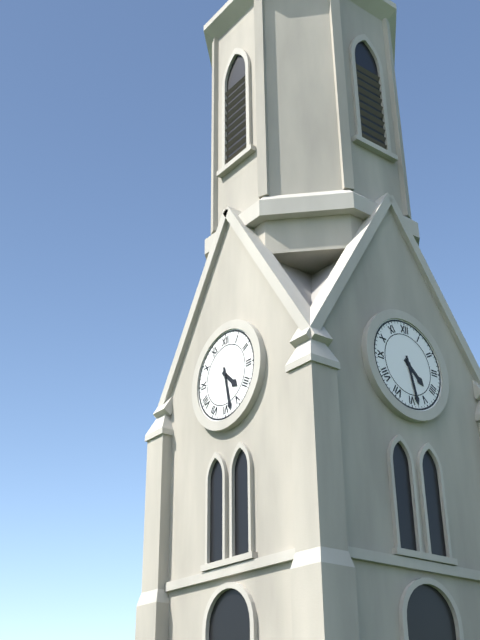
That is 4h28
